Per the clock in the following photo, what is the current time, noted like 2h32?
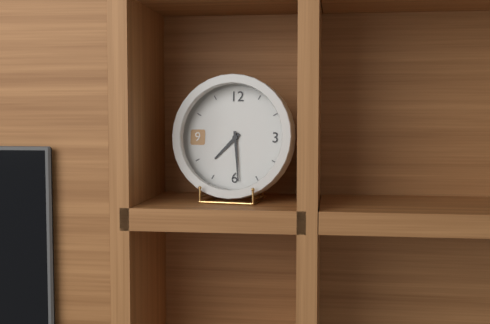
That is 7h29
